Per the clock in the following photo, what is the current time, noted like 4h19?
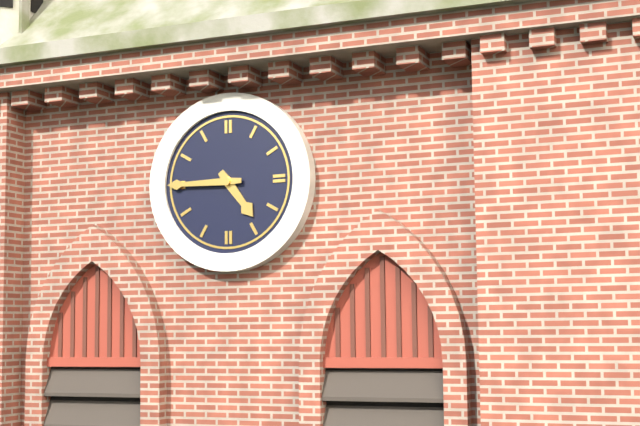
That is 4h45
